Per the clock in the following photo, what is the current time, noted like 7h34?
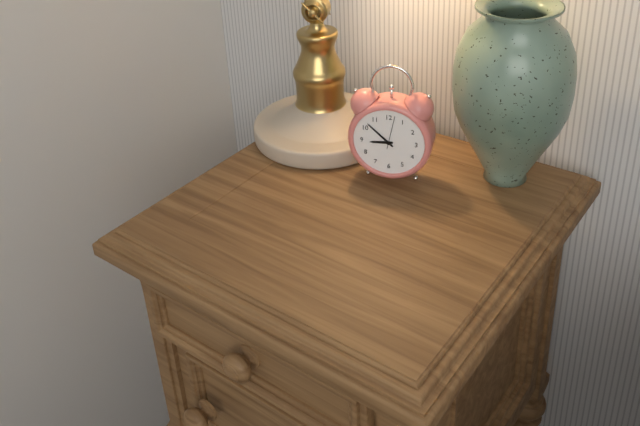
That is 8h52
